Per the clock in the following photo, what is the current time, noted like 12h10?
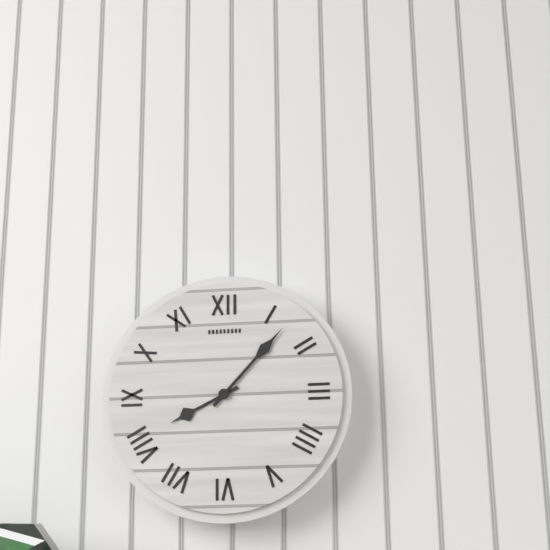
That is 8h07
